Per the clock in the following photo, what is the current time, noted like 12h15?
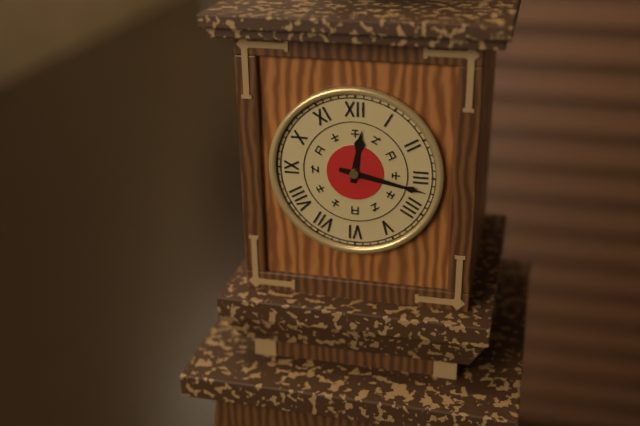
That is 12h17
